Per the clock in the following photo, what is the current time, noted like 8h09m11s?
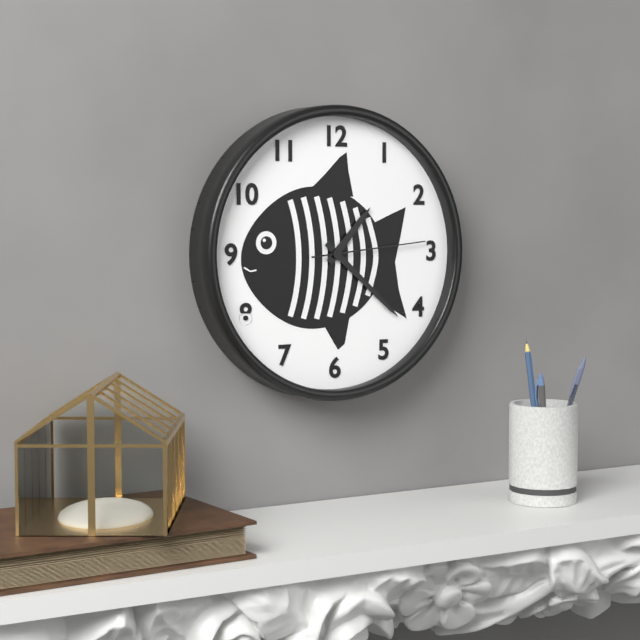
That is 1h22m14s
